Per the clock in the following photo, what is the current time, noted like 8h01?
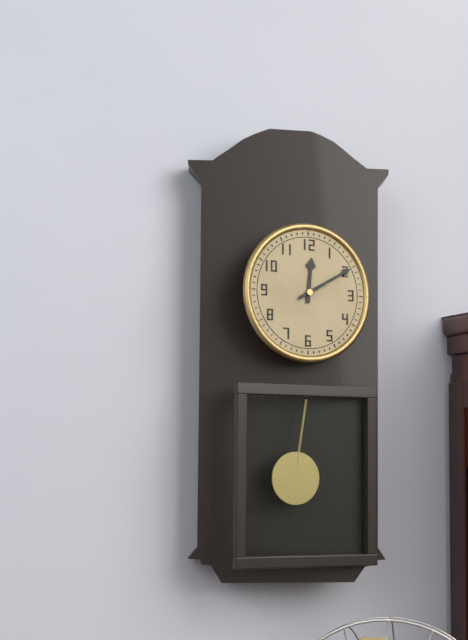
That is 12h10
